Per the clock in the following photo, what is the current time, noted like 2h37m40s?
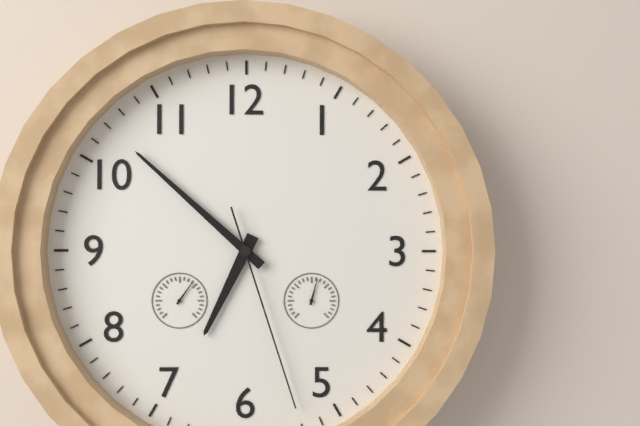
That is 6h52m27s
